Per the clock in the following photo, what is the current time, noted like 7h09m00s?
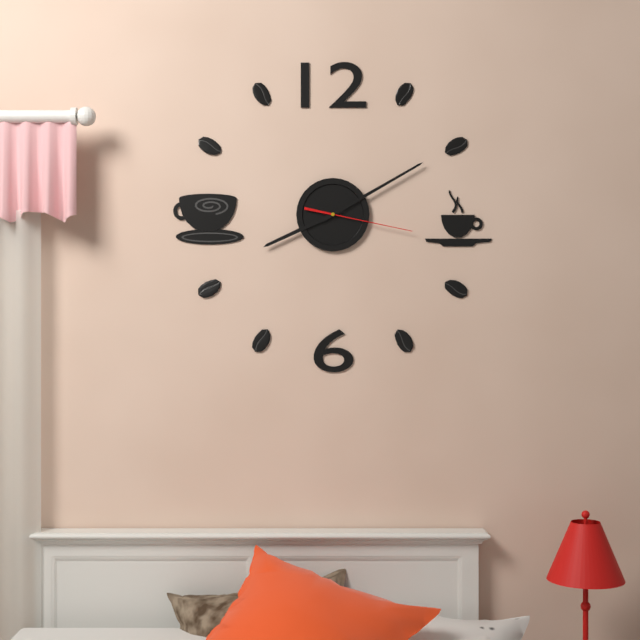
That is 8h10m17s
